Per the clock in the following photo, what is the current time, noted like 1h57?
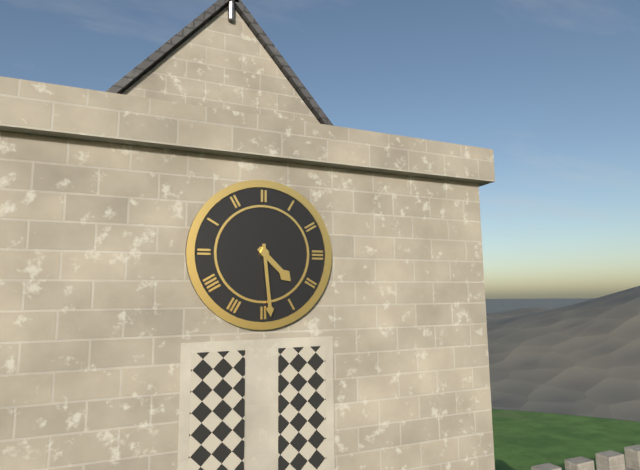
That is 4h29
